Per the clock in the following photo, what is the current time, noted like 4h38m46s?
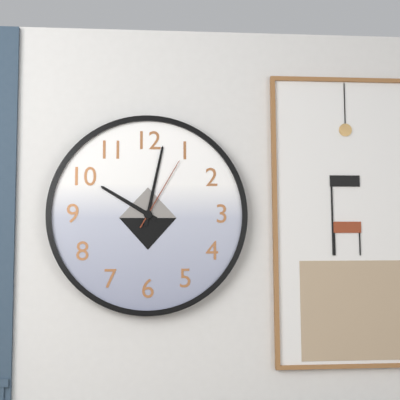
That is 10h02m05s
